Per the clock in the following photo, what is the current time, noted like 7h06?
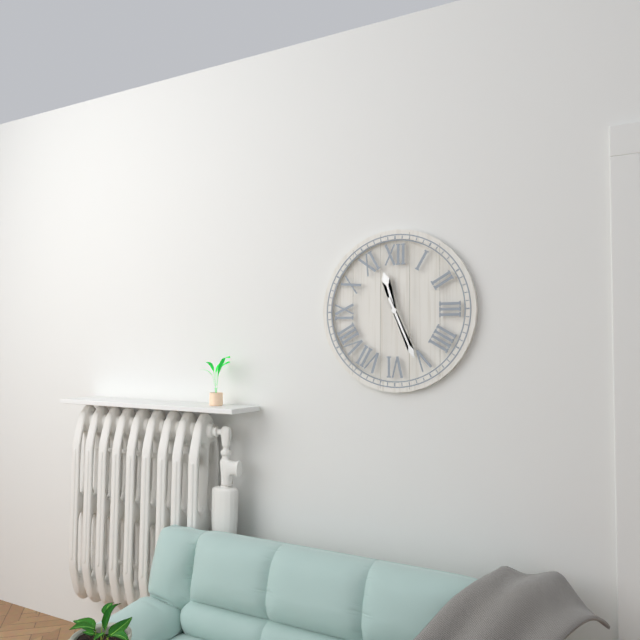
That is 11h26
